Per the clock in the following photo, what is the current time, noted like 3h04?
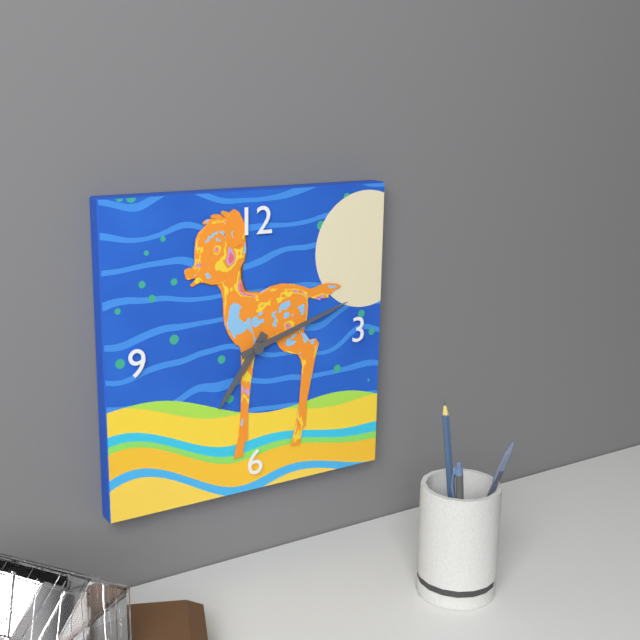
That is 7h12
